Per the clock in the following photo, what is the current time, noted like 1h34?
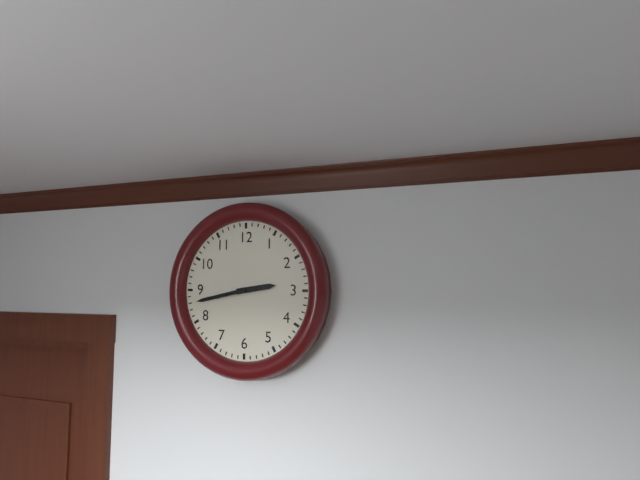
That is 2h43
